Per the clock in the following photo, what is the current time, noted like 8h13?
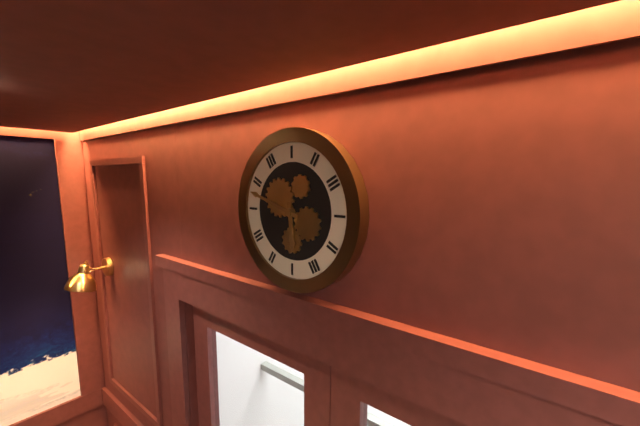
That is 5h48
